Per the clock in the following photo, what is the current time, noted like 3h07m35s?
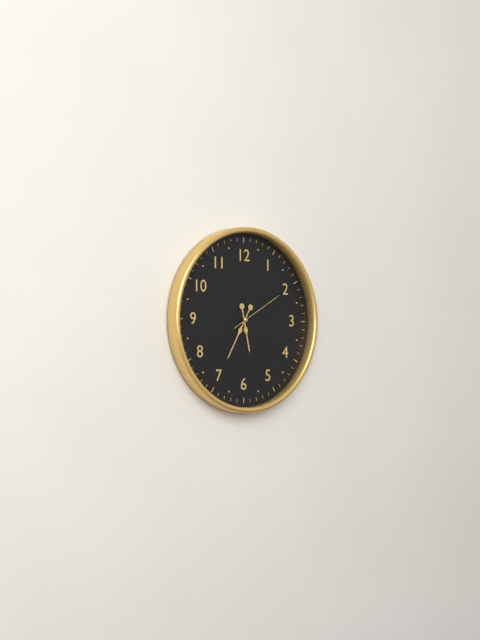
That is 5h35m10s
